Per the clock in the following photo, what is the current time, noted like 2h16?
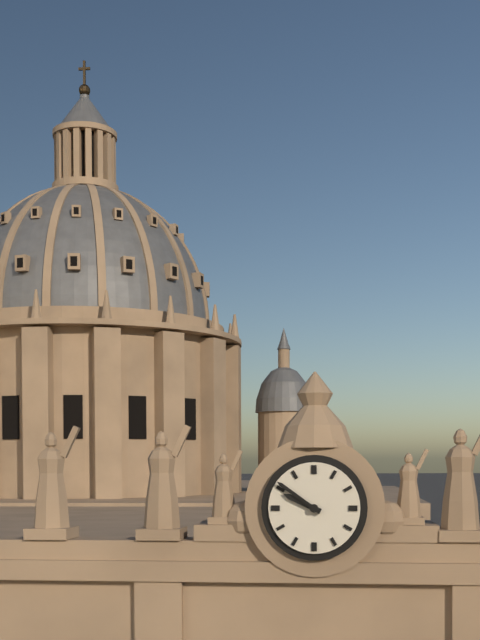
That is 9h51
